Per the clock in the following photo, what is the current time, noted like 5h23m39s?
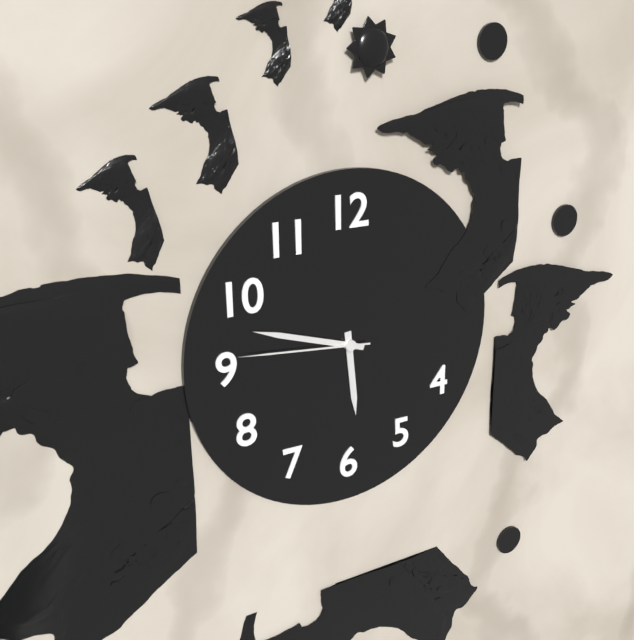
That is 5h48m46s
